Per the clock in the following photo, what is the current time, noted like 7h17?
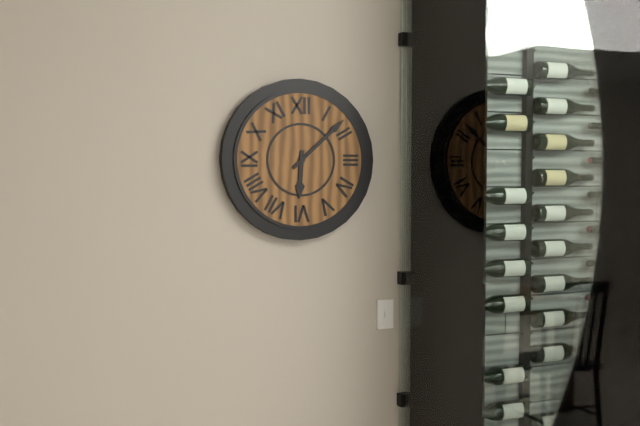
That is 6h08
